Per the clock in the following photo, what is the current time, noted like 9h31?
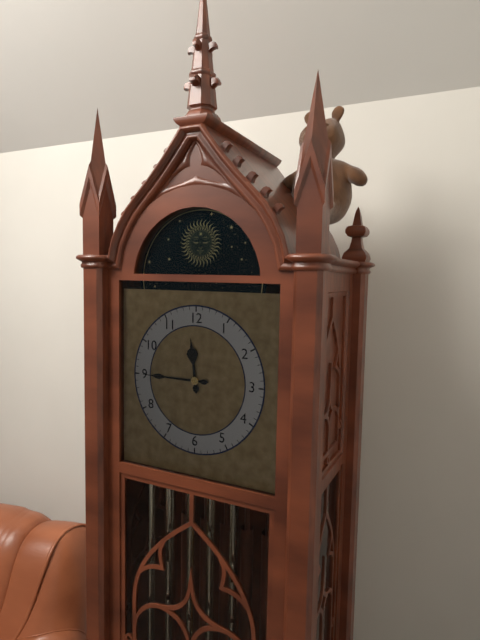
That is 11h45
